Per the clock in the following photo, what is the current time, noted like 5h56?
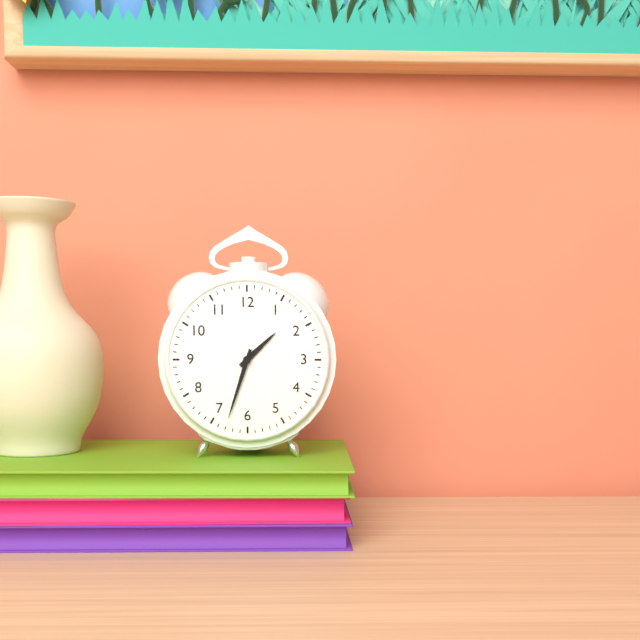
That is 1h33
